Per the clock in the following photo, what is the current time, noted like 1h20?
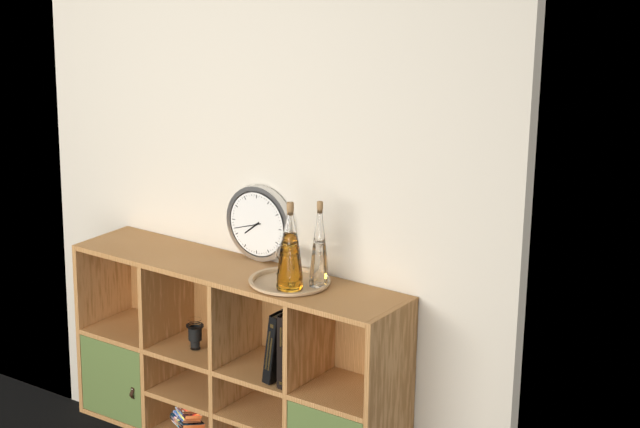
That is 7h42
